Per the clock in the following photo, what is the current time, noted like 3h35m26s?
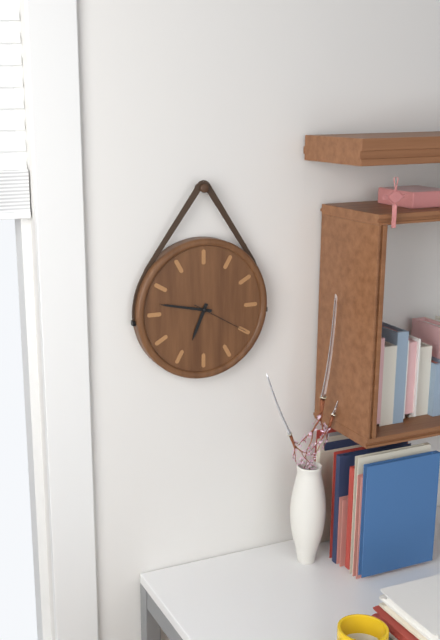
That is 6h47m20s
